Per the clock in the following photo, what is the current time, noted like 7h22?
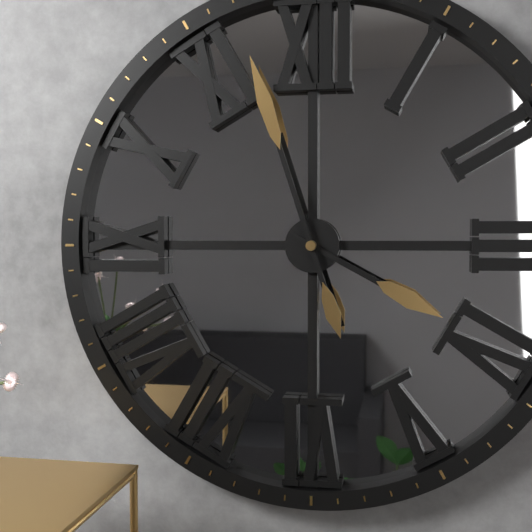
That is 3h57
